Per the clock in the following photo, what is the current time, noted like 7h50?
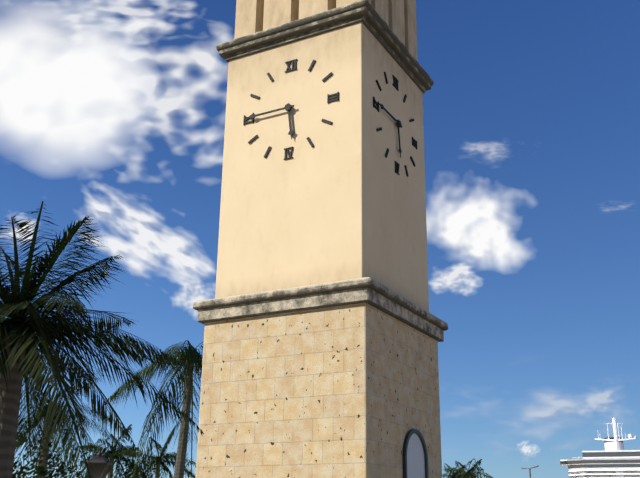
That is 5h45
